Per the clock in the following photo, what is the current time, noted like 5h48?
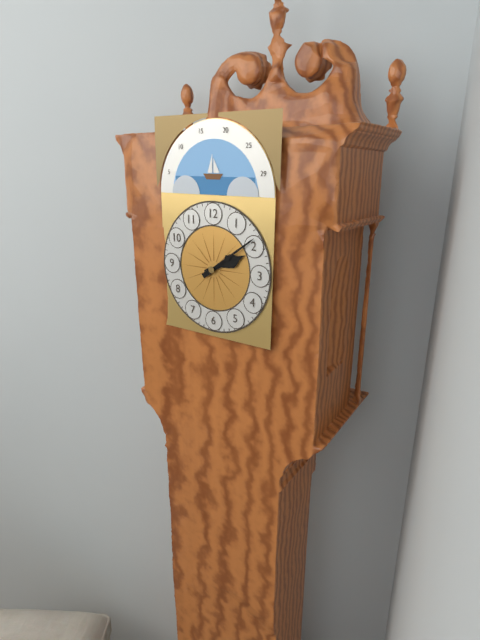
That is 2h09
